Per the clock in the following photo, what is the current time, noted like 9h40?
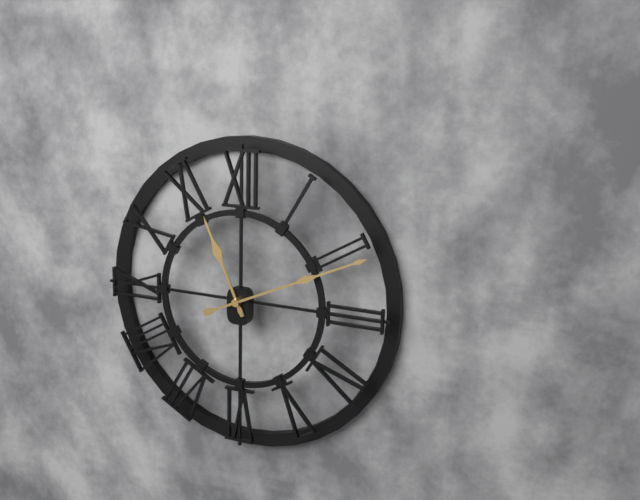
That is 11h11
